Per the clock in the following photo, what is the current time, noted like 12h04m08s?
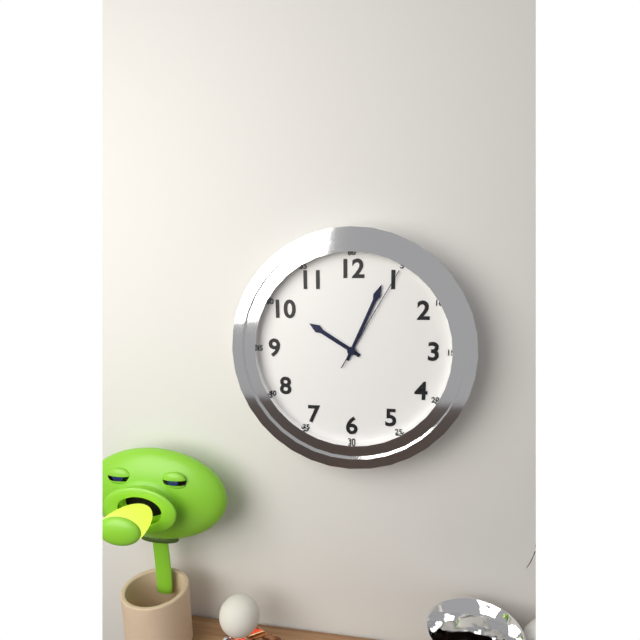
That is 10h04m05s
